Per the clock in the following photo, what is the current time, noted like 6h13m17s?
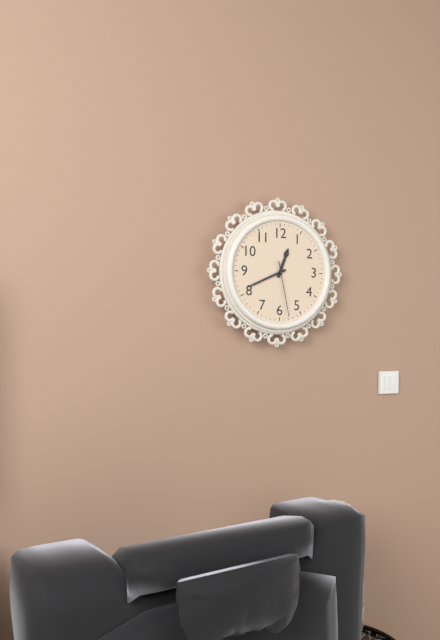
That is 12h41m28s
